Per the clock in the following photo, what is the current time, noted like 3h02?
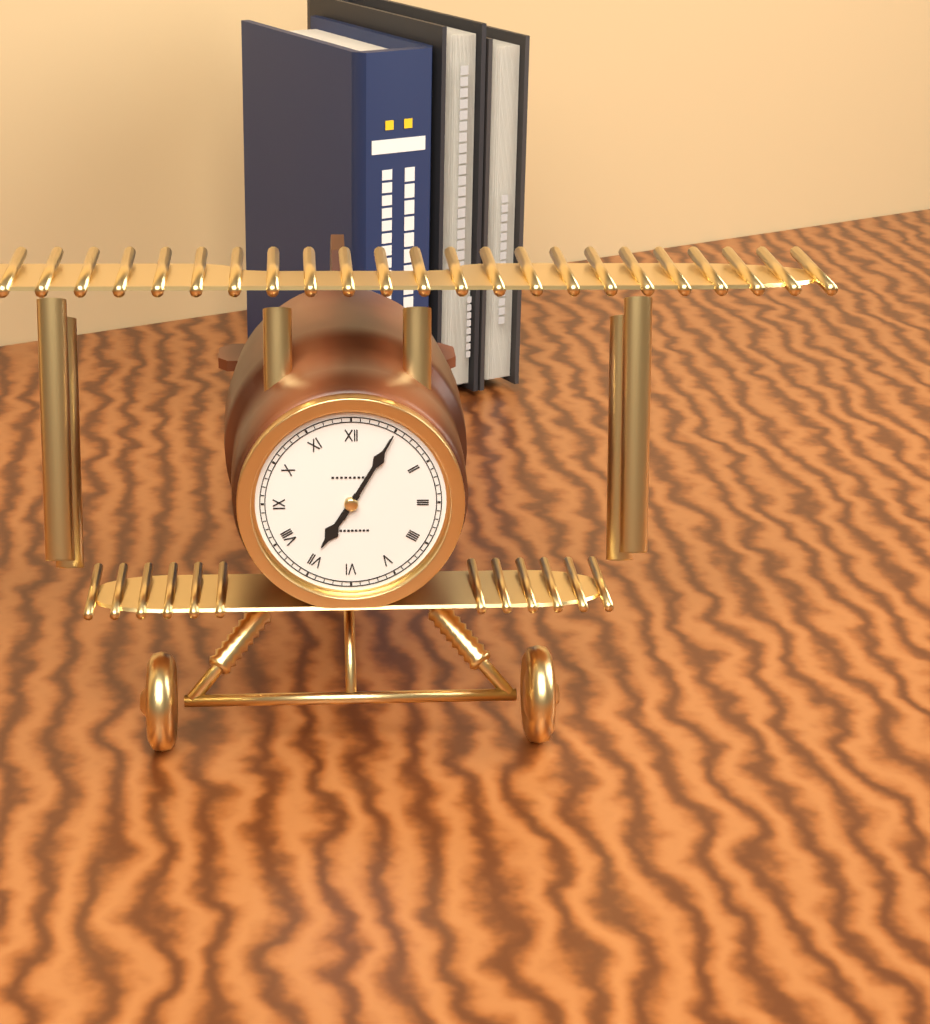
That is 7h05
